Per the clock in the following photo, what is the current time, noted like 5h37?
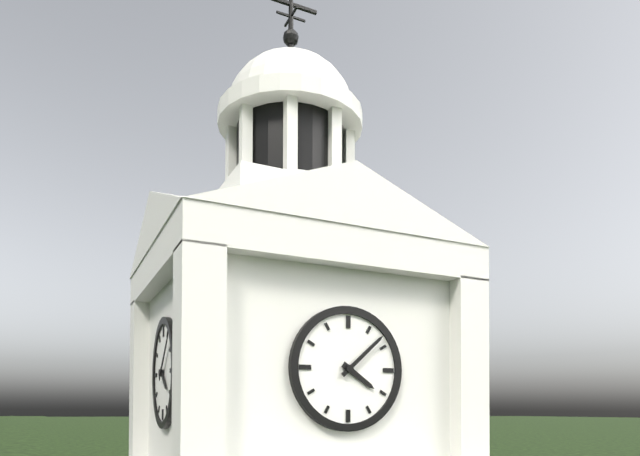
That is 4h08
